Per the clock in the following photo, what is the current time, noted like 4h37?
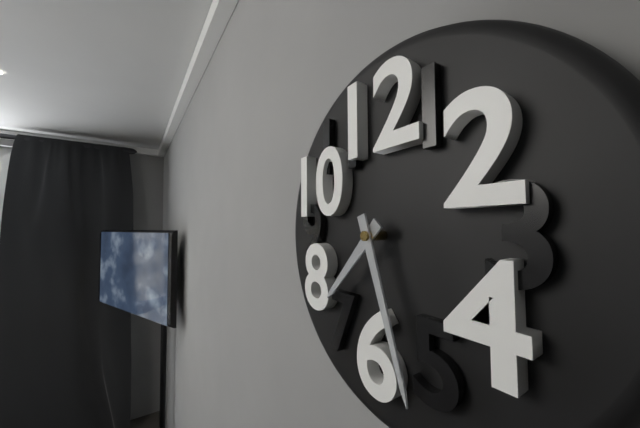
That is 7h27
